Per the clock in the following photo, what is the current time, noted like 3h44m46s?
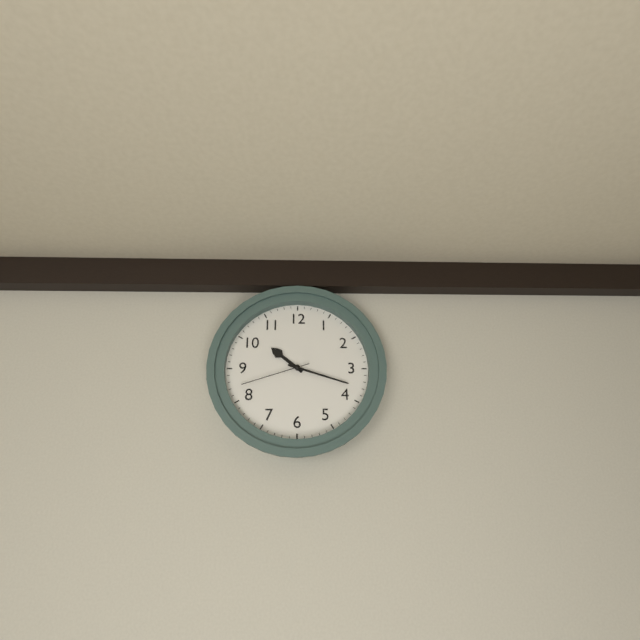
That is 10h18m42s
